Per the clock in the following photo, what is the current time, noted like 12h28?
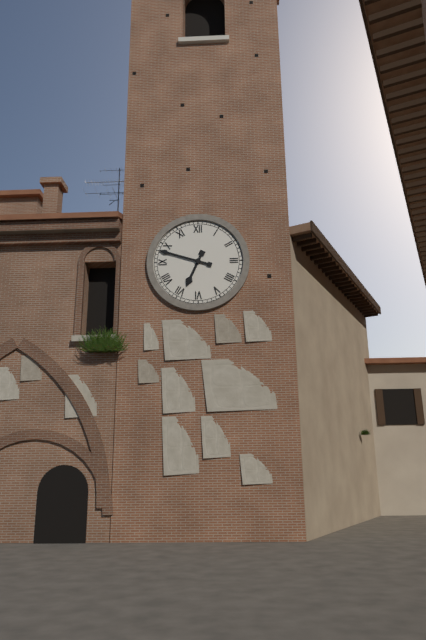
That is 6h48
